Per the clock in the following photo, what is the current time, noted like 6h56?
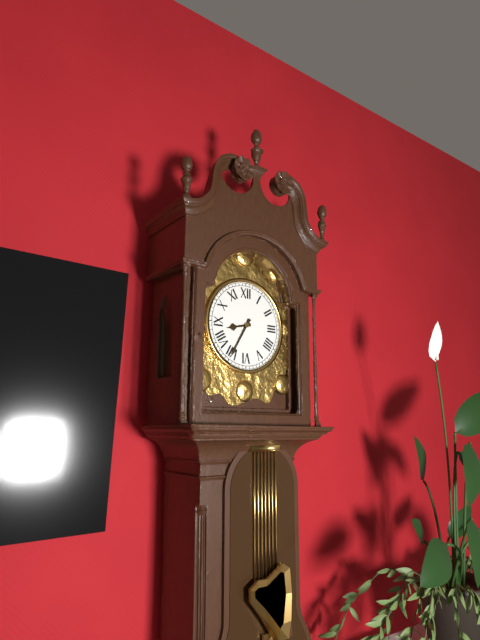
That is 8h35
